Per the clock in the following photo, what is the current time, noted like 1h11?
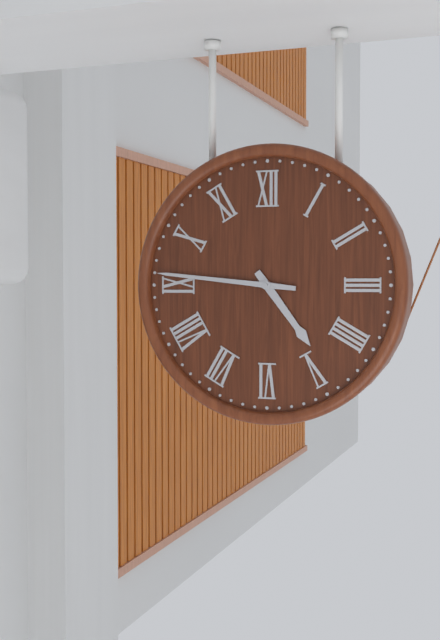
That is 4h46
